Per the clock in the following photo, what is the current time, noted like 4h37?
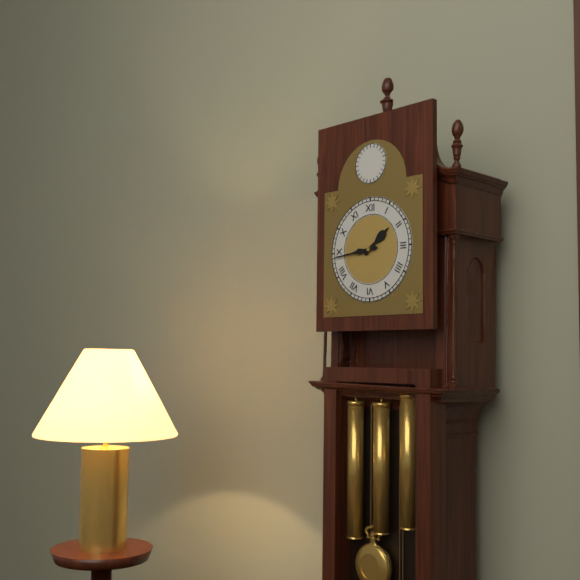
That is 1h44
